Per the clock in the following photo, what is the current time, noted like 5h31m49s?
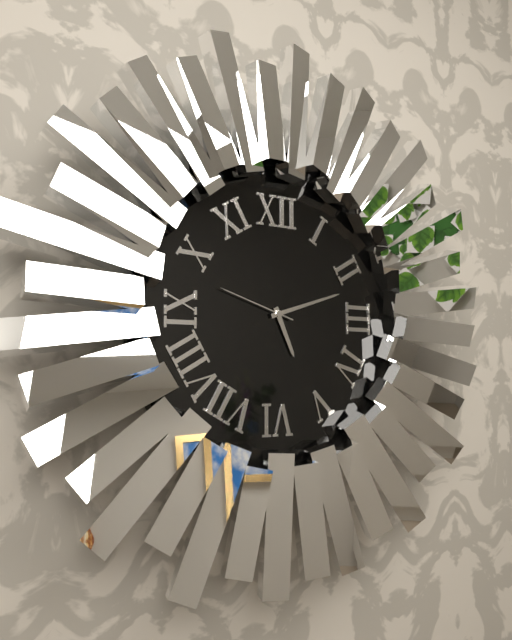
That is 5h12m48s
